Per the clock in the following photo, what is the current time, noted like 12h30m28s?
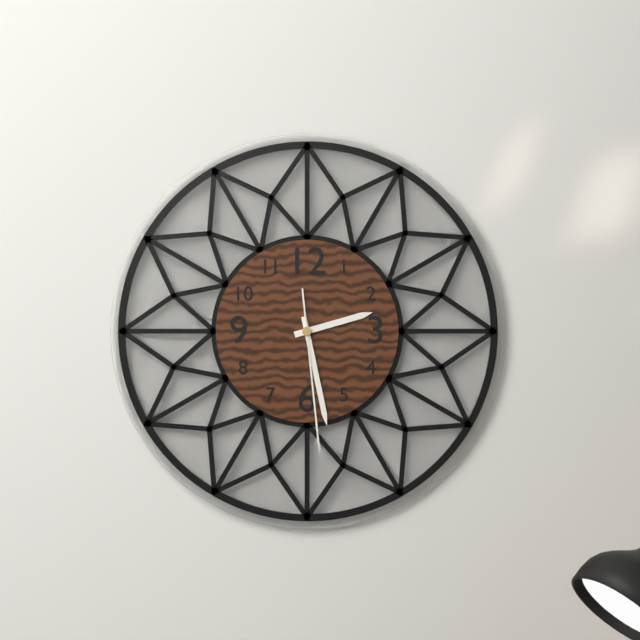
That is 2h28m29s
